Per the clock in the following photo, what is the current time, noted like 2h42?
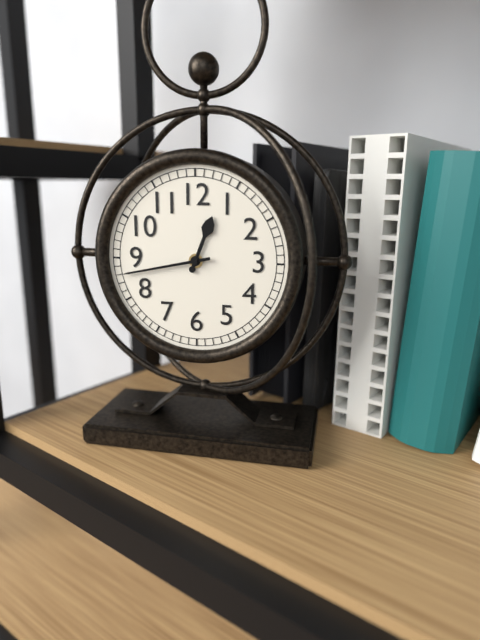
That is 12h43
